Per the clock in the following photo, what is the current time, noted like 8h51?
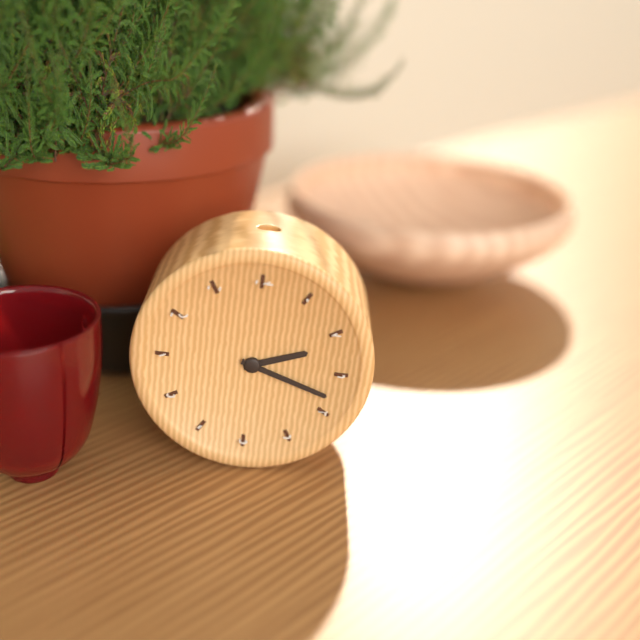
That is 2h18
